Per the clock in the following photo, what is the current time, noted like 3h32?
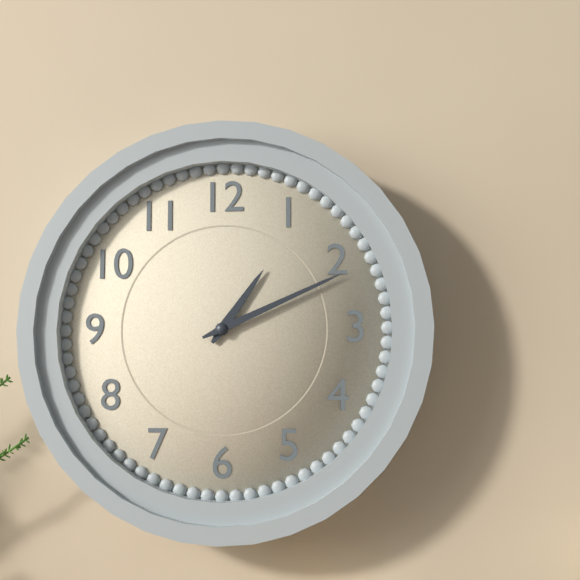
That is 1h11
